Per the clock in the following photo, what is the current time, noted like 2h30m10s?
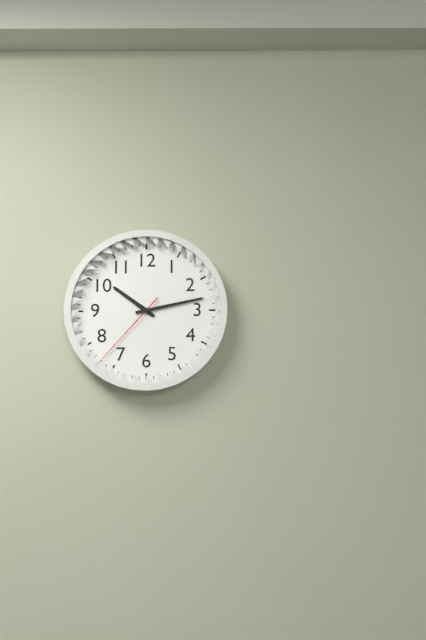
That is 10h13m37s
